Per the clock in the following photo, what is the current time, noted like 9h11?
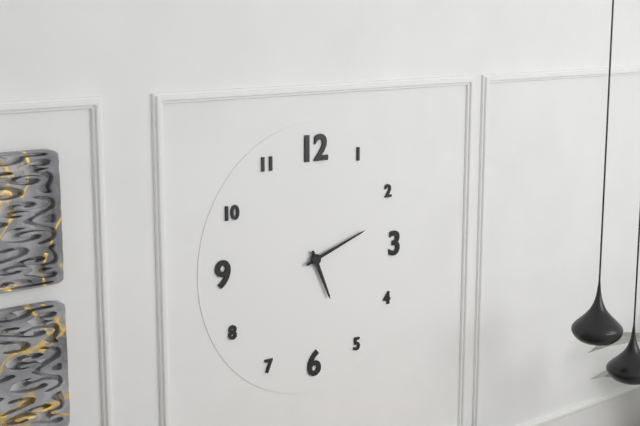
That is 5h12
